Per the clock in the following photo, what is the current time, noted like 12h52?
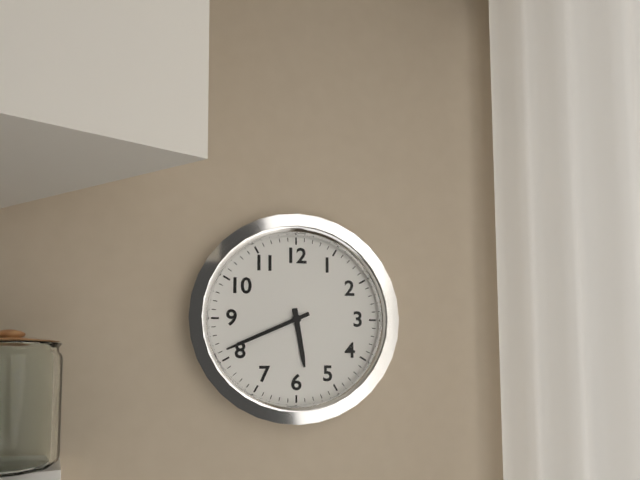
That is 5h41
